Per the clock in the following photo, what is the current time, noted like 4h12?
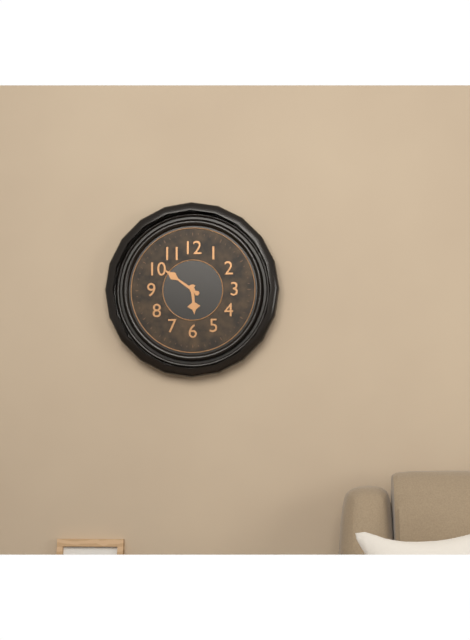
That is 5h51
